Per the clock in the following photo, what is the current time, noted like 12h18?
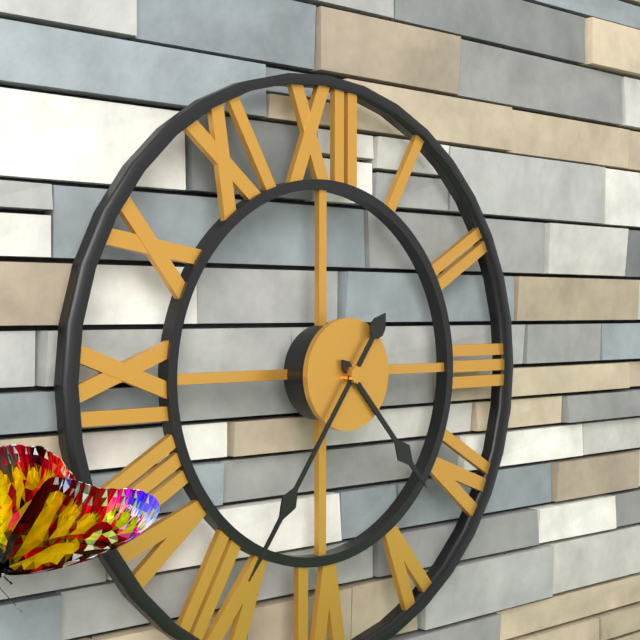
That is 4h36
